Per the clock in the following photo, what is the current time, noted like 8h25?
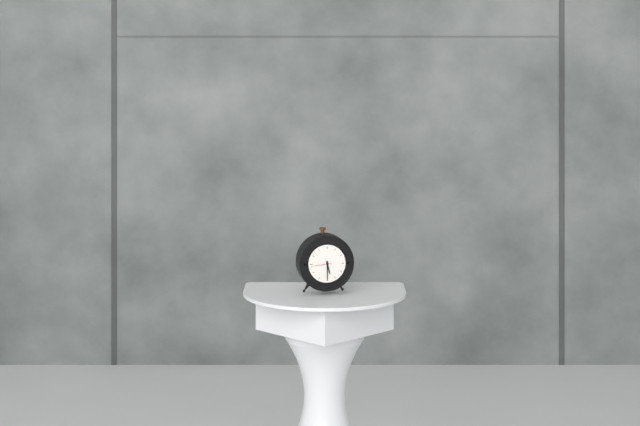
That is 5h30
